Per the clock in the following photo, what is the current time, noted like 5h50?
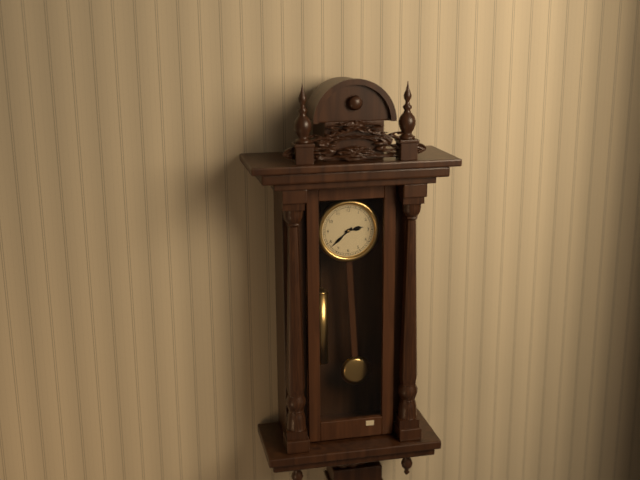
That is 2h38
